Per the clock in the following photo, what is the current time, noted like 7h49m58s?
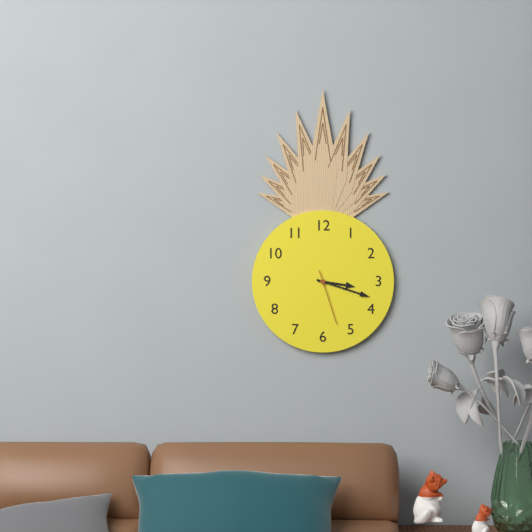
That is 3h18m27s
